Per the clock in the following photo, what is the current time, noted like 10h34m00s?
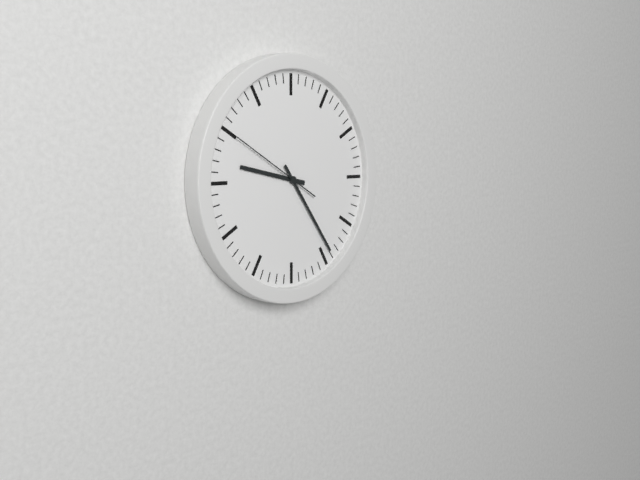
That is 9h24m50s
